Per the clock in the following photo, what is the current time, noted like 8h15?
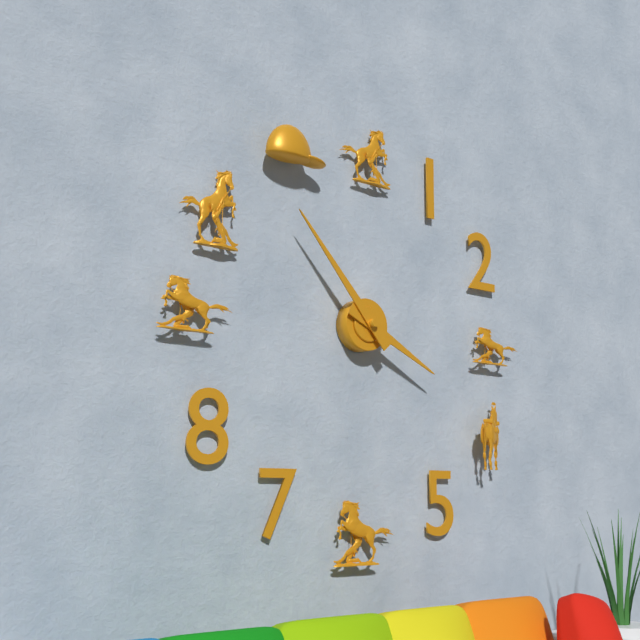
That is 3h53
